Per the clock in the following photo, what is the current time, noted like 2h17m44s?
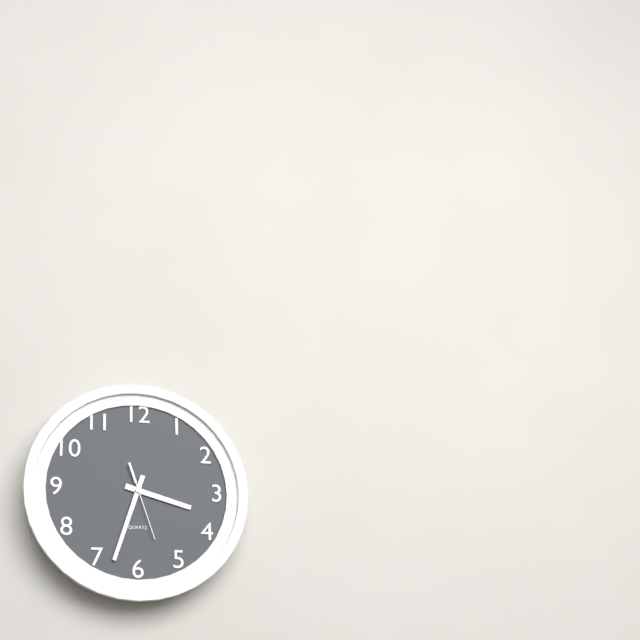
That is 3h33m27s
